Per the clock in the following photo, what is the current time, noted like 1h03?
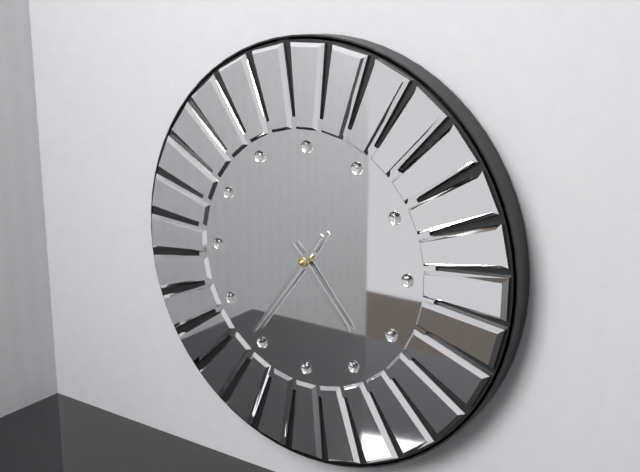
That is 4h36
